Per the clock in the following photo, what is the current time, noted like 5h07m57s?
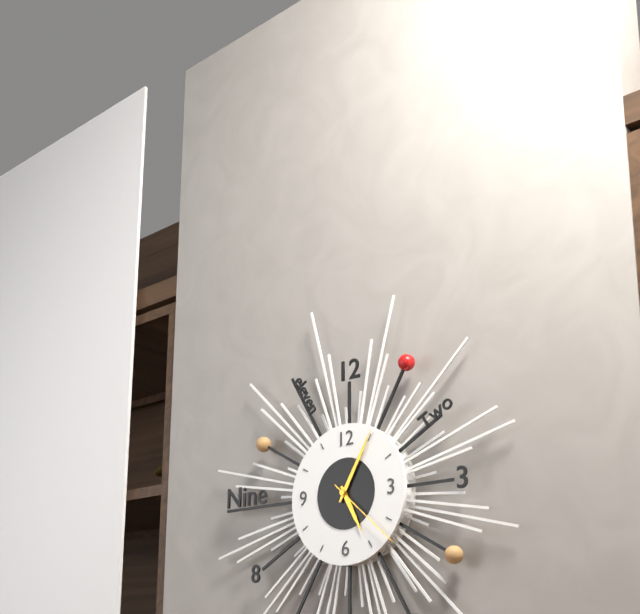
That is 5h05m22s
